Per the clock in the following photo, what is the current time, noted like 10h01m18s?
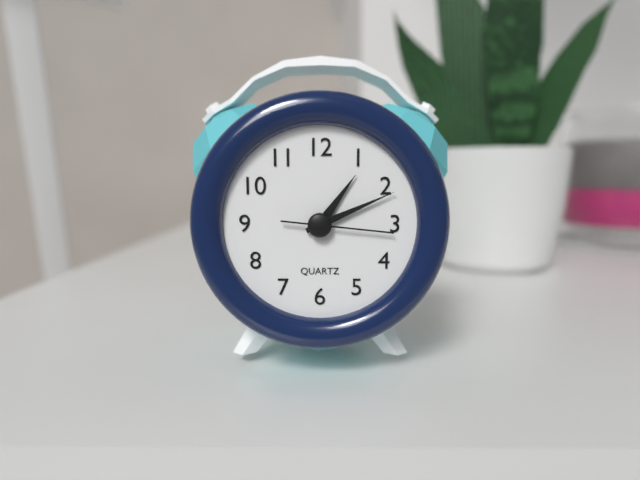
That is 1h11m16s
